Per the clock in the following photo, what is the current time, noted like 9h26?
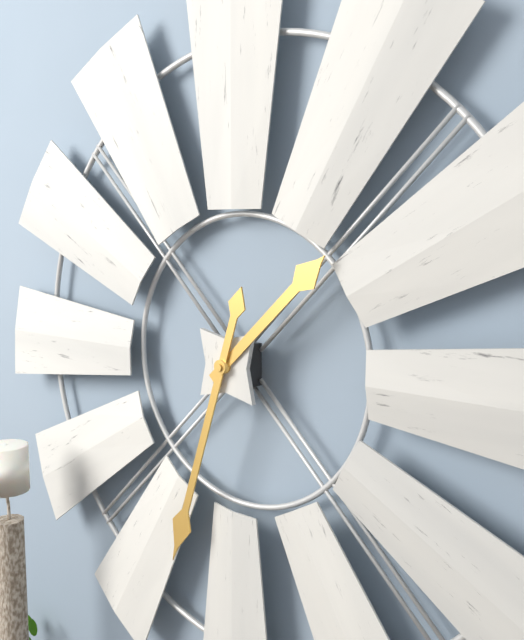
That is 1h33
